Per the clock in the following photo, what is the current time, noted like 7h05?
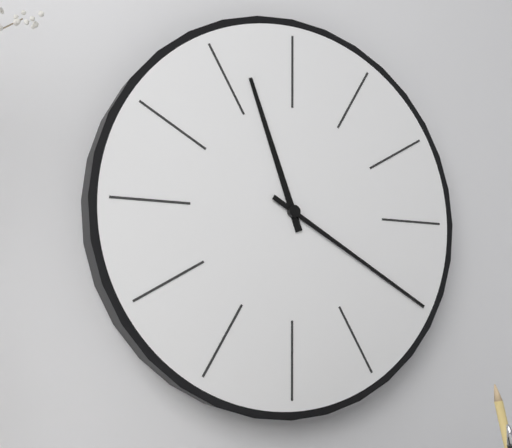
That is 11h20
